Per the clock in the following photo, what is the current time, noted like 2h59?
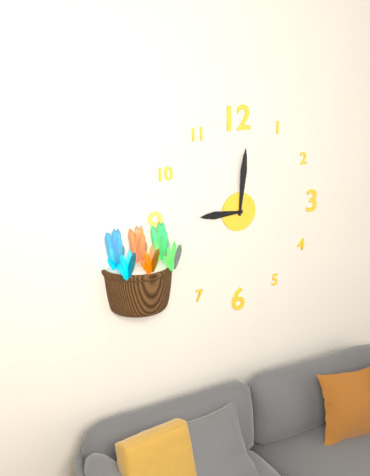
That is 9h01
